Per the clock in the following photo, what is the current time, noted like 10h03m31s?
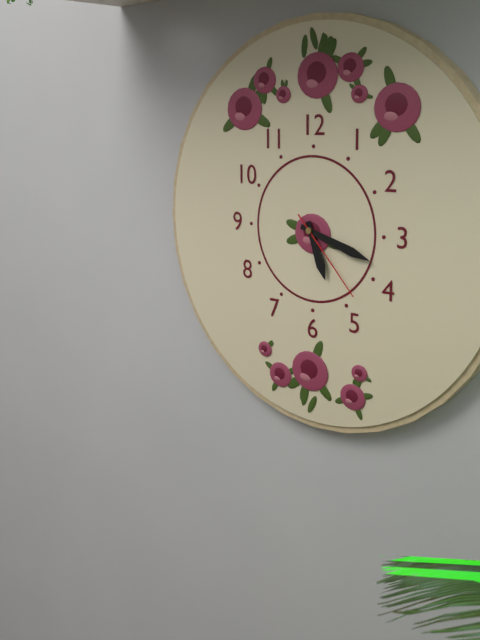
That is 5h18m23s
